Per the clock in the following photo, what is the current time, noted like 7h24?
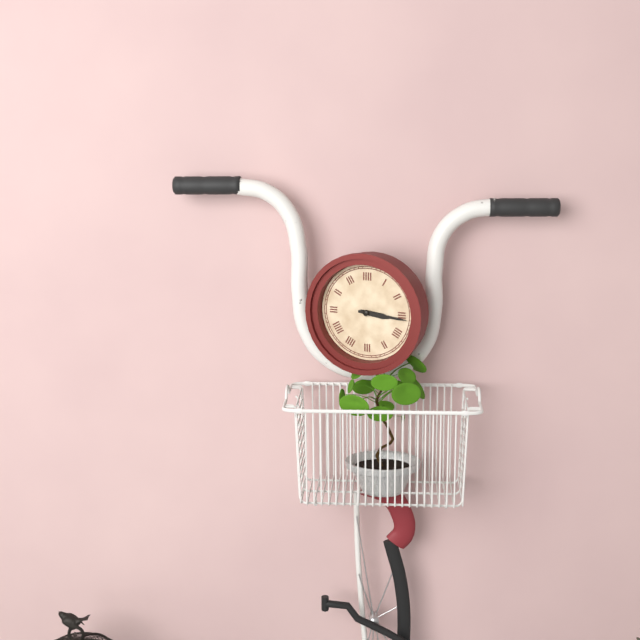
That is 3h16
